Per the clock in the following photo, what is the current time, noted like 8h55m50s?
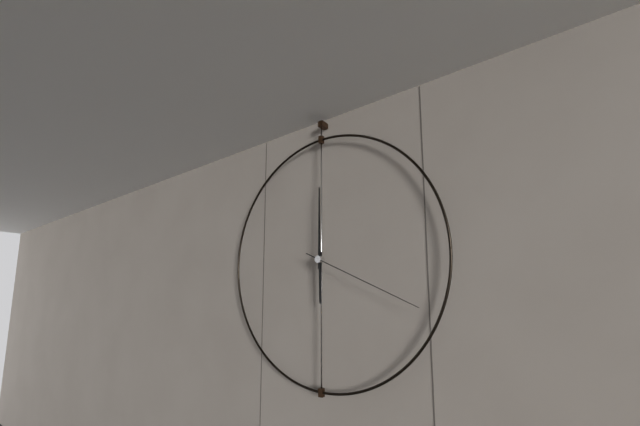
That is 6h00m19s
